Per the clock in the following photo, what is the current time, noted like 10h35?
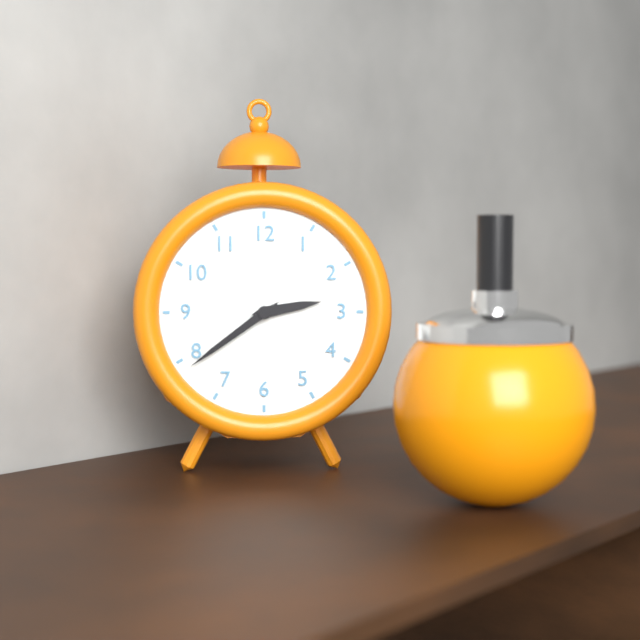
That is 2h39
